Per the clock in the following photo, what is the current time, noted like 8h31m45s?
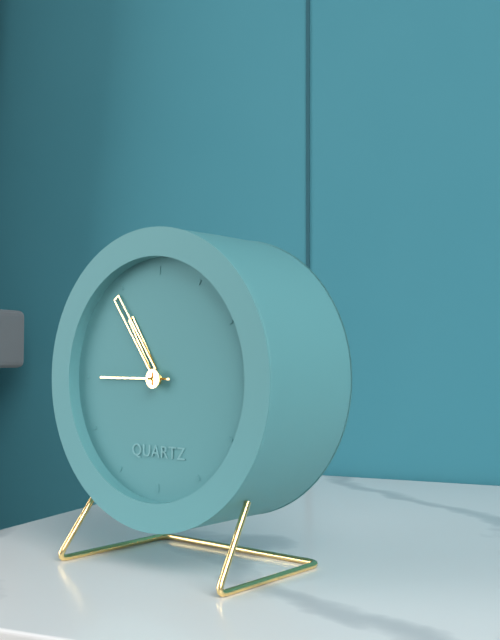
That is 10h54m45s
